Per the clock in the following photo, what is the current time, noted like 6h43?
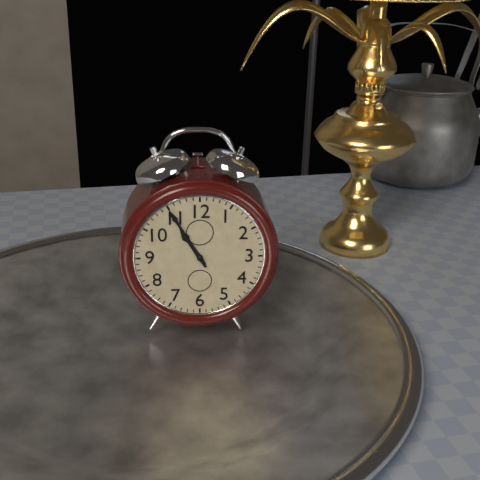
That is 10h55
